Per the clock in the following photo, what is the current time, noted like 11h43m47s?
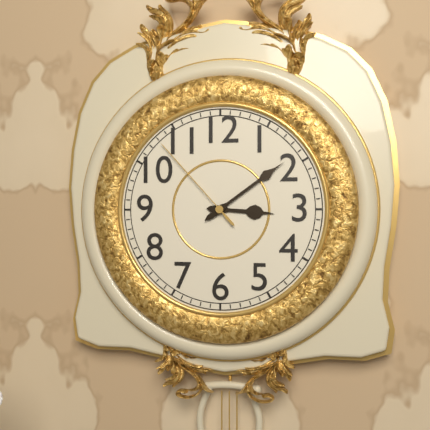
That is 3h09m53s
